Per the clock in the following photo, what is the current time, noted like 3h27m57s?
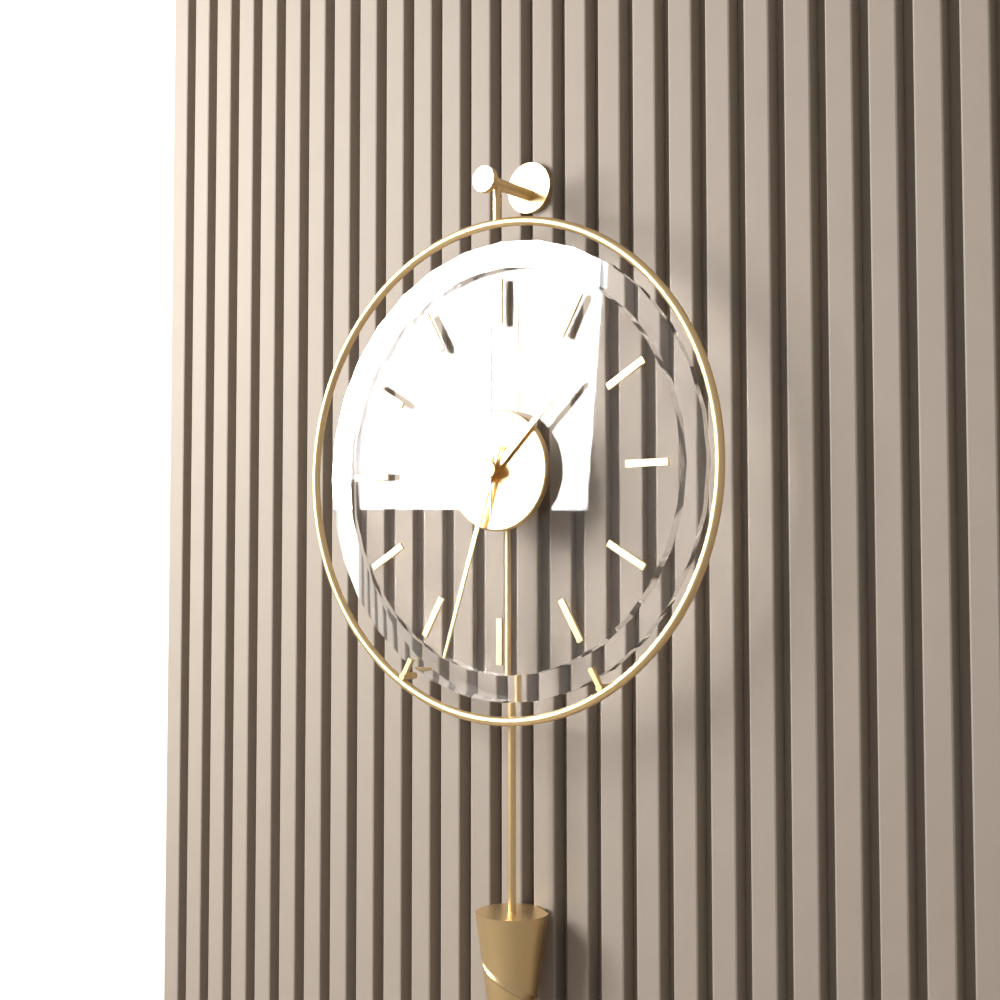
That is 1h33m00s
